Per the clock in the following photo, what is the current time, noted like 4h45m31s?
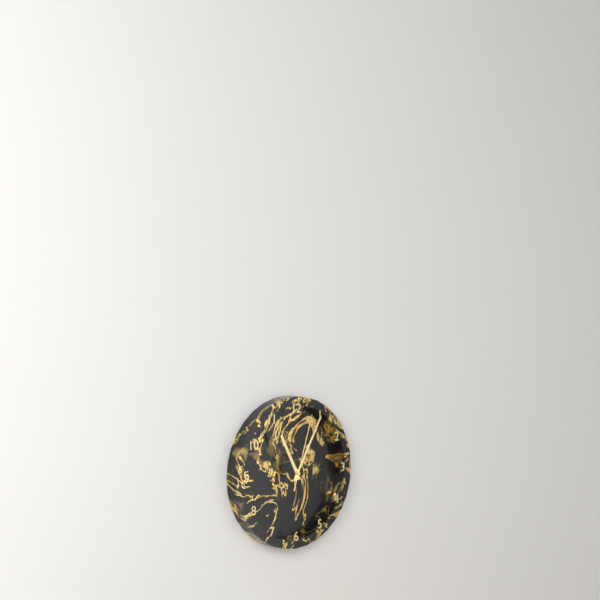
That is 11h05m03s
